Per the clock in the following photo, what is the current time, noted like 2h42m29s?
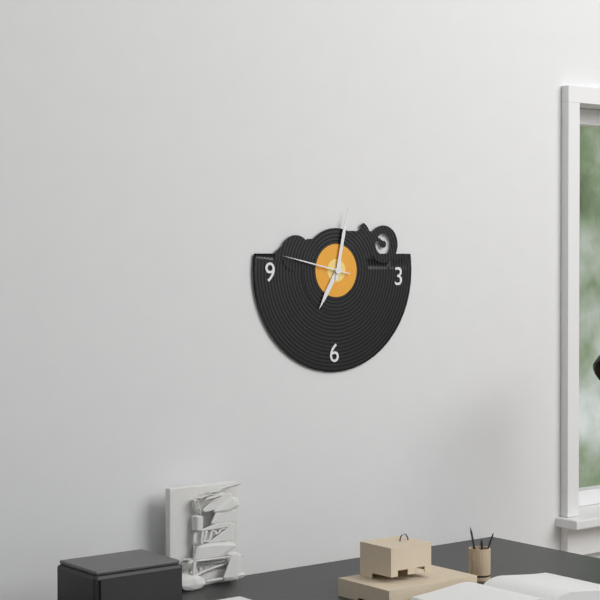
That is 7h02m47s
